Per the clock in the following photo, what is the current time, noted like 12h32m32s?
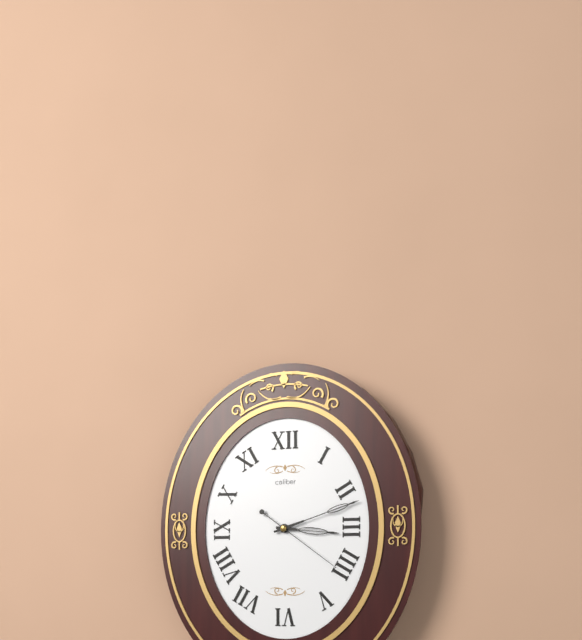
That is 3h12m21s
